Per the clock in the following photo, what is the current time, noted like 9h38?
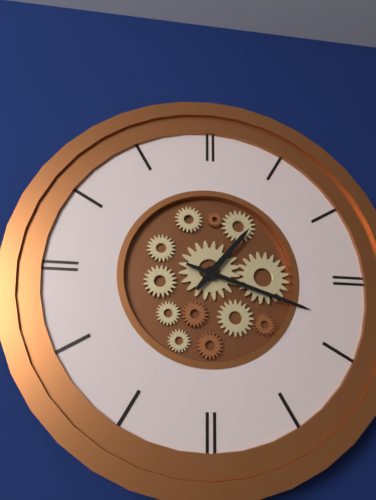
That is 1h18
